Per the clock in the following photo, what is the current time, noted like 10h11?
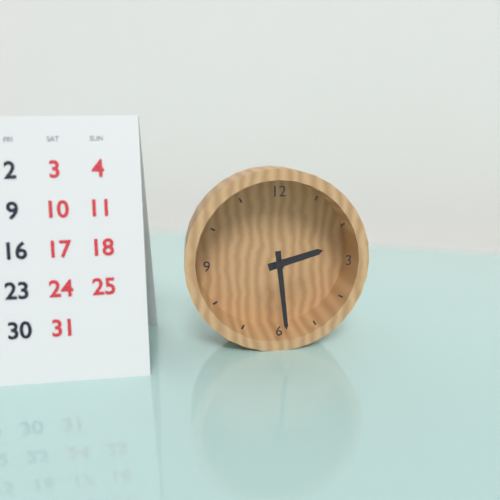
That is 2h29
